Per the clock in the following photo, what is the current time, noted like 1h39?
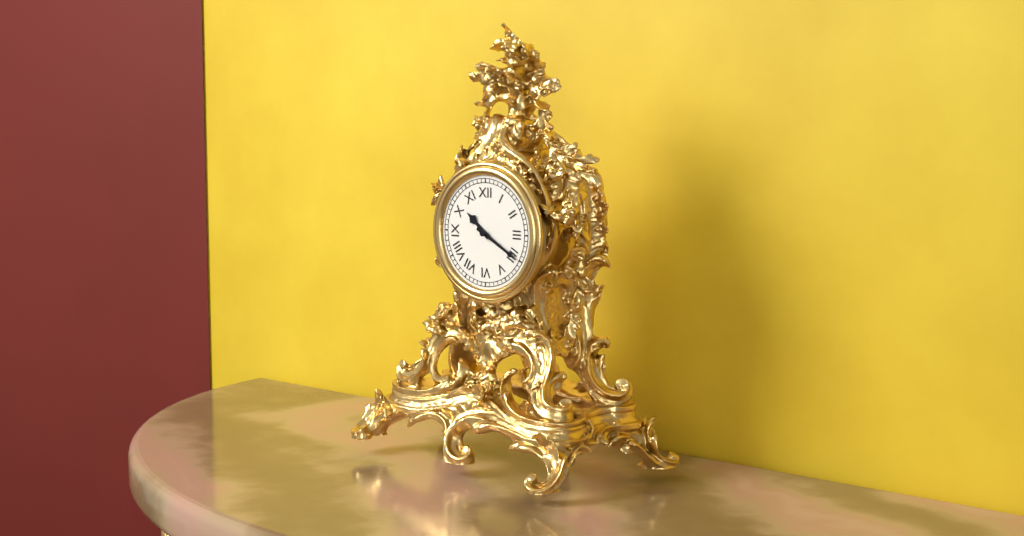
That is 10h20
